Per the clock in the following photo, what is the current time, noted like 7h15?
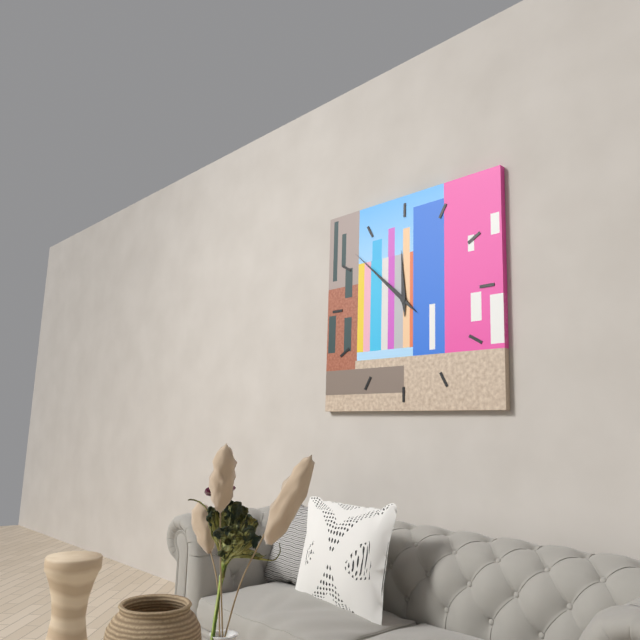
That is 11h52
